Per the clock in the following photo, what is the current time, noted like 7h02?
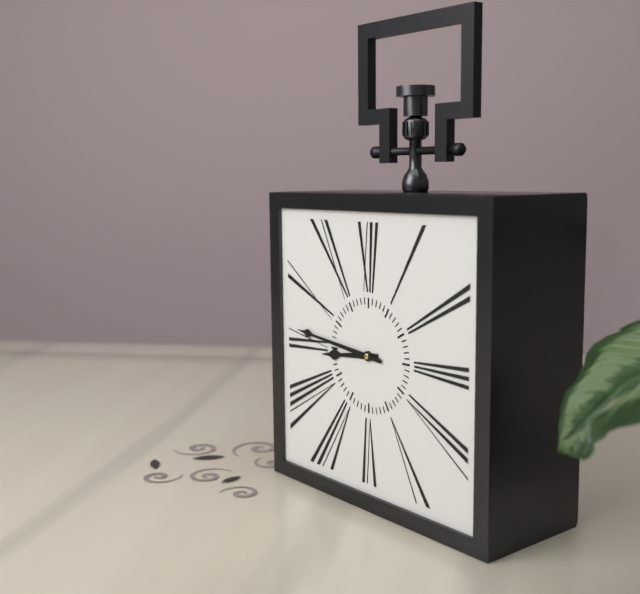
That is 8h46
